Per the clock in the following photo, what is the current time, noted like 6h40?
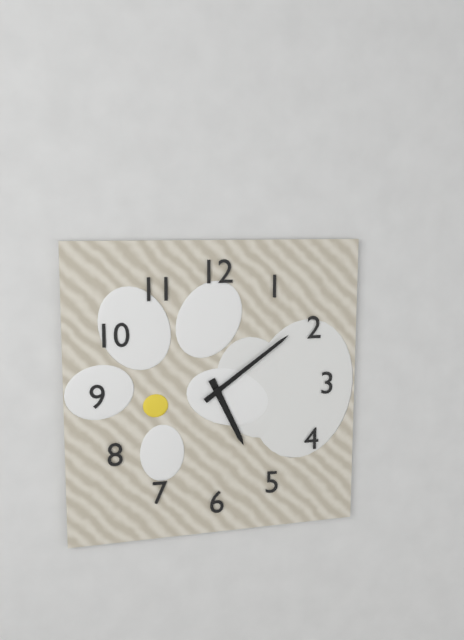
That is 5h09
